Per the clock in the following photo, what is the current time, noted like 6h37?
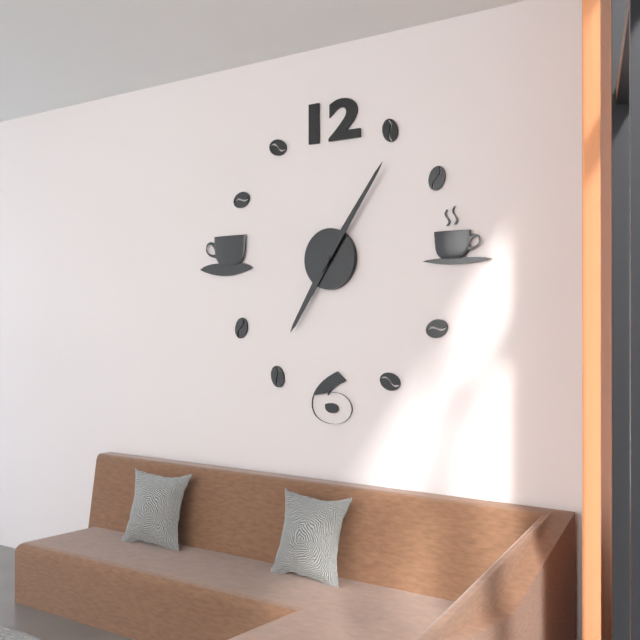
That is 7h06
